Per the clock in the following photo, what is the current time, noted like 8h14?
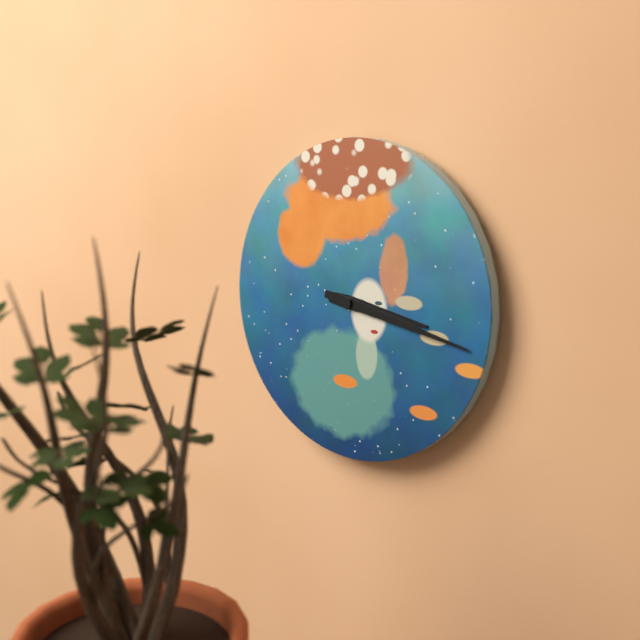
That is 3h17
